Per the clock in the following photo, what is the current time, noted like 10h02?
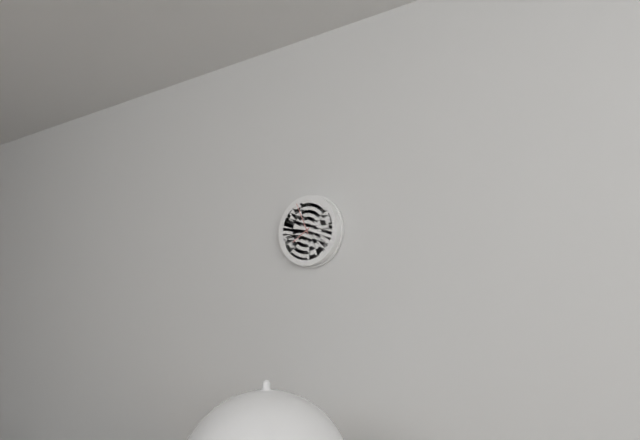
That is 7h56
